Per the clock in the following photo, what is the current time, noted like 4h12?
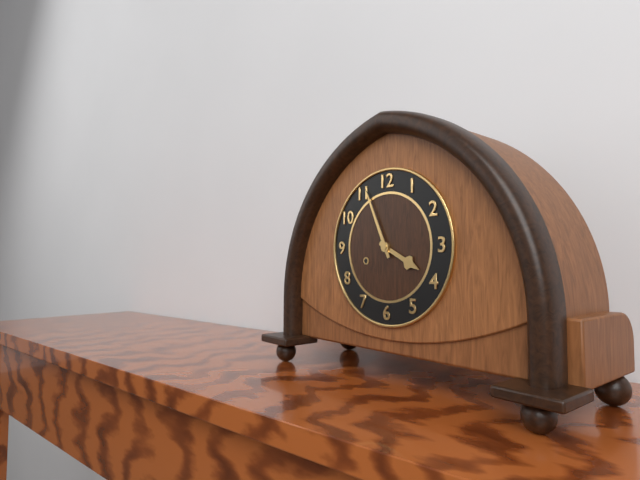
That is 3h56
